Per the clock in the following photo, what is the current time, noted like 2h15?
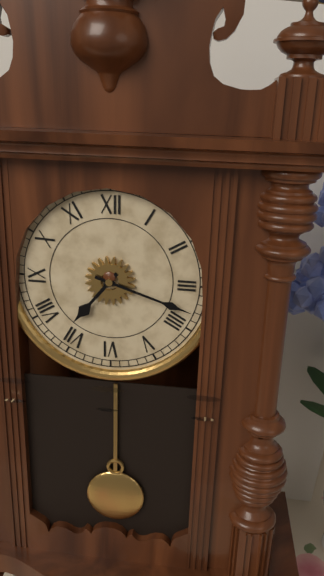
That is 7h18
